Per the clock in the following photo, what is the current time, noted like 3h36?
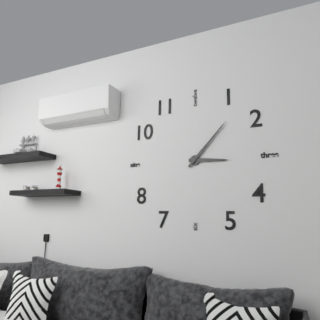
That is 3h07
